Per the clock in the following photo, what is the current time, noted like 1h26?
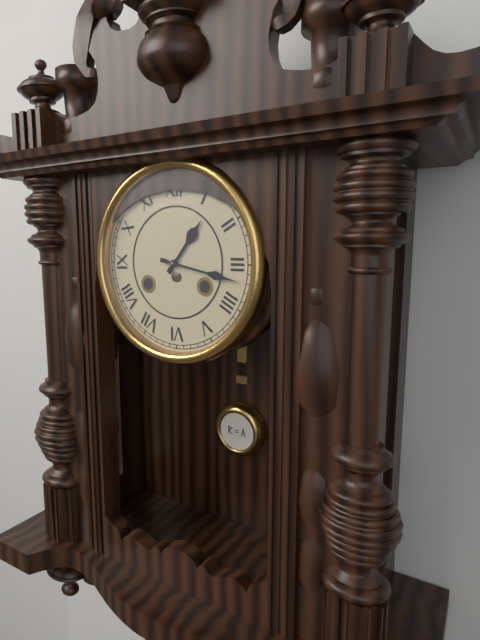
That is 1h17
